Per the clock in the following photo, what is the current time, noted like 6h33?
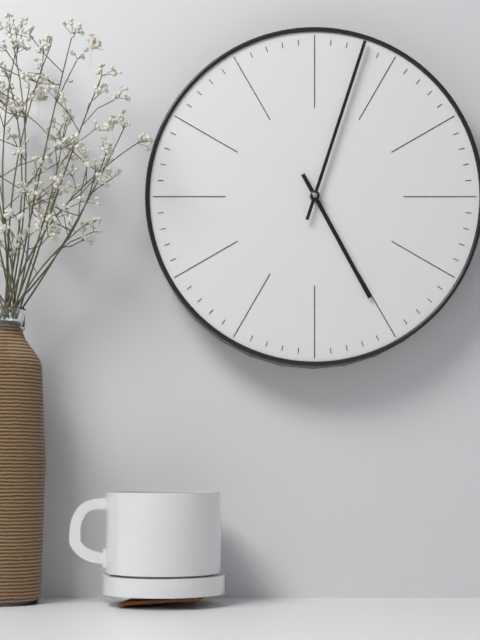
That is 5h03
